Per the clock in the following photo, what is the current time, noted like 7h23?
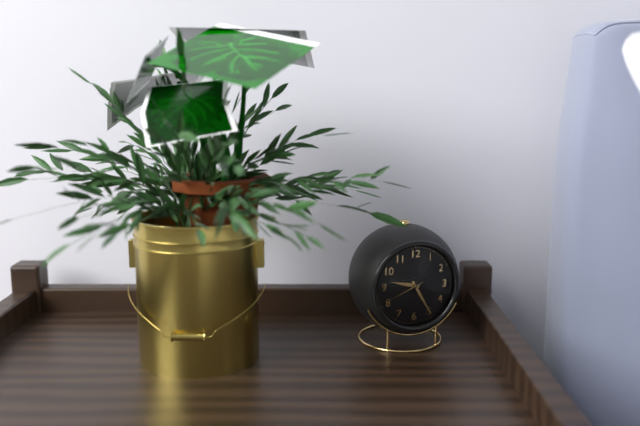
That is 9h25
